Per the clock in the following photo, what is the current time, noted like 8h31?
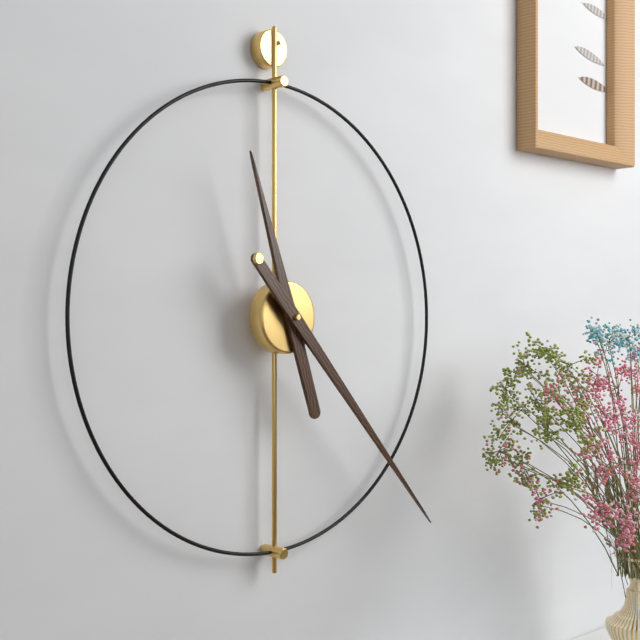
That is 11h23
